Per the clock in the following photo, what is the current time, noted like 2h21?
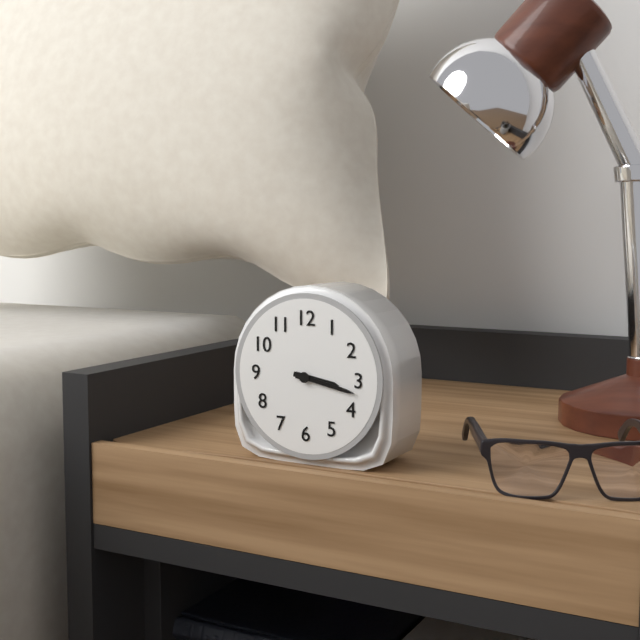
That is 3h17
